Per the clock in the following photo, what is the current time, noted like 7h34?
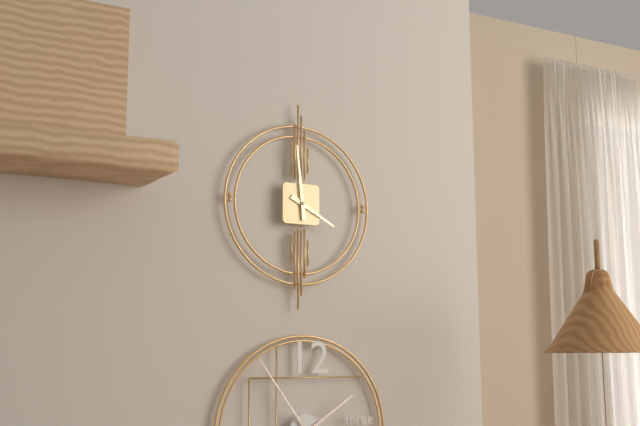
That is 3h59
